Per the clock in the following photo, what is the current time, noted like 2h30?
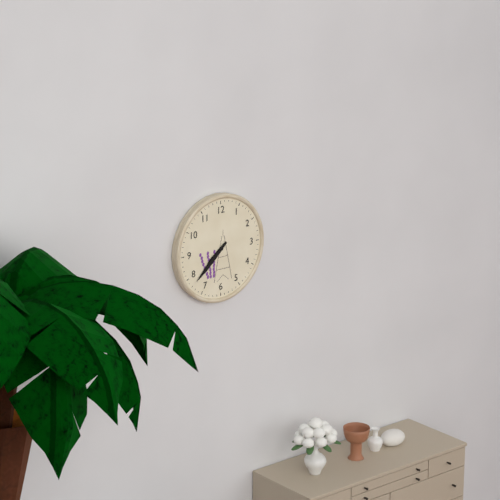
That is 7h38
